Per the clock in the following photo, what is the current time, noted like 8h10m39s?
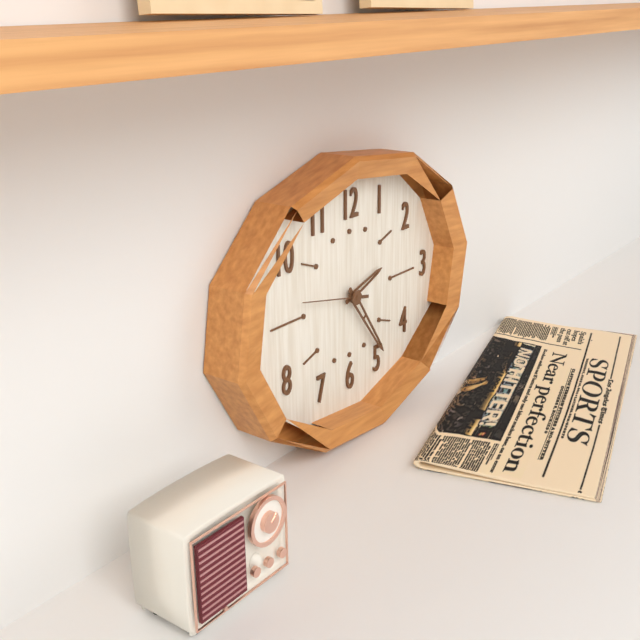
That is 2h24m47s
